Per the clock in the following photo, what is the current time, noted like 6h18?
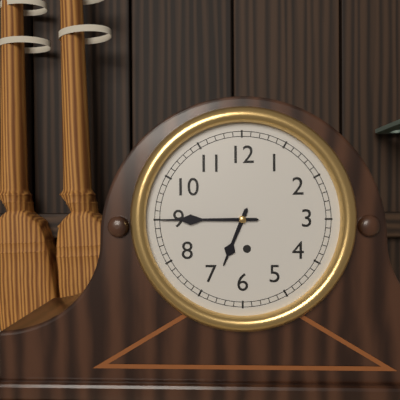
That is 6h45
